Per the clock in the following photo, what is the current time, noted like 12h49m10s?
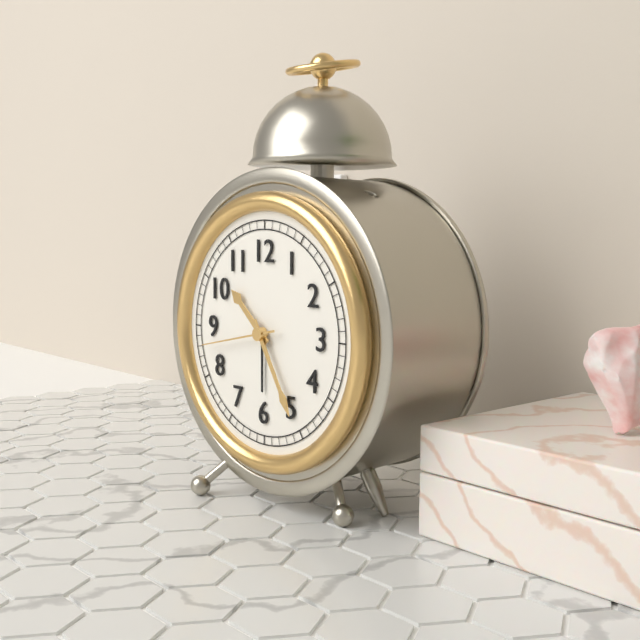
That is 10h25m43s
